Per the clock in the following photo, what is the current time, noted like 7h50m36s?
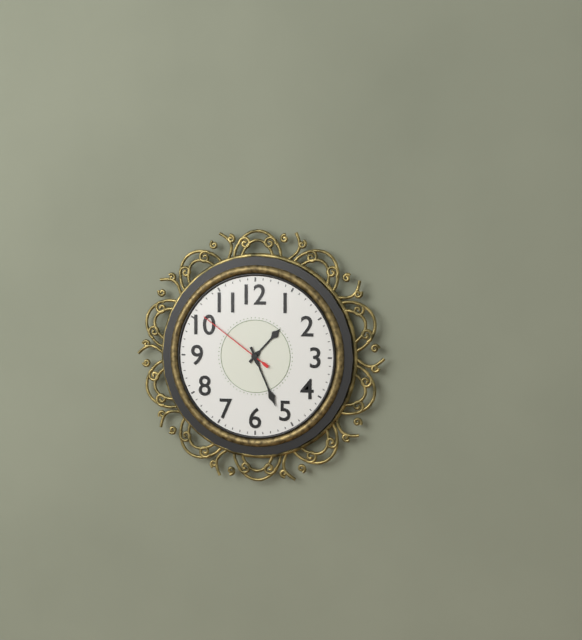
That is 1h26m51s
